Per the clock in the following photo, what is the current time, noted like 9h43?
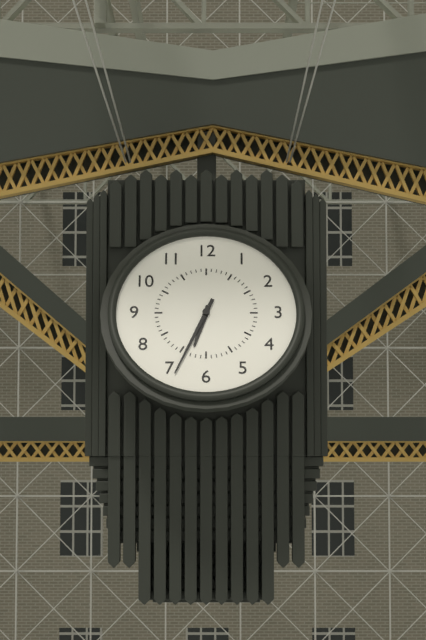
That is 6h34
